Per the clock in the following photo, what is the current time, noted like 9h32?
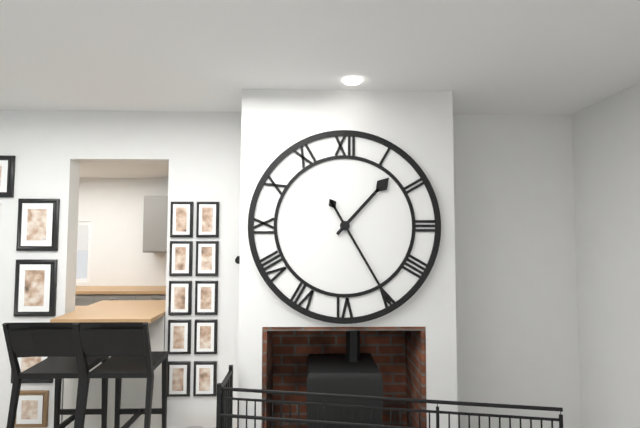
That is 1h25
